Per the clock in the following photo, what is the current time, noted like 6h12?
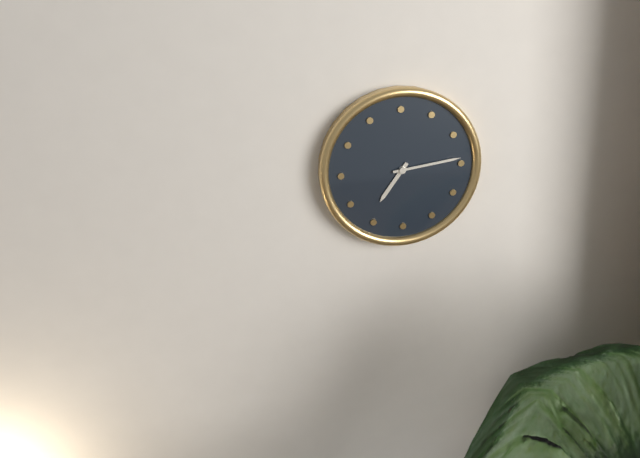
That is 7h14
